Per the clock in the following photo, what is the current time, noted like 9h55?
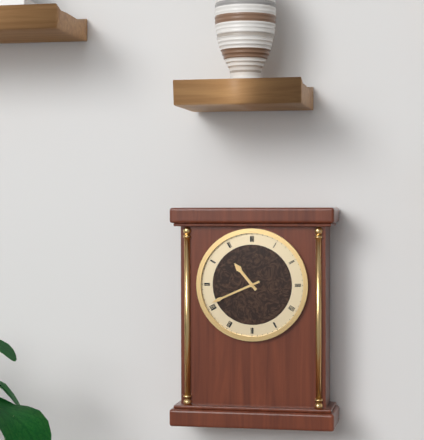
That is 10h41
